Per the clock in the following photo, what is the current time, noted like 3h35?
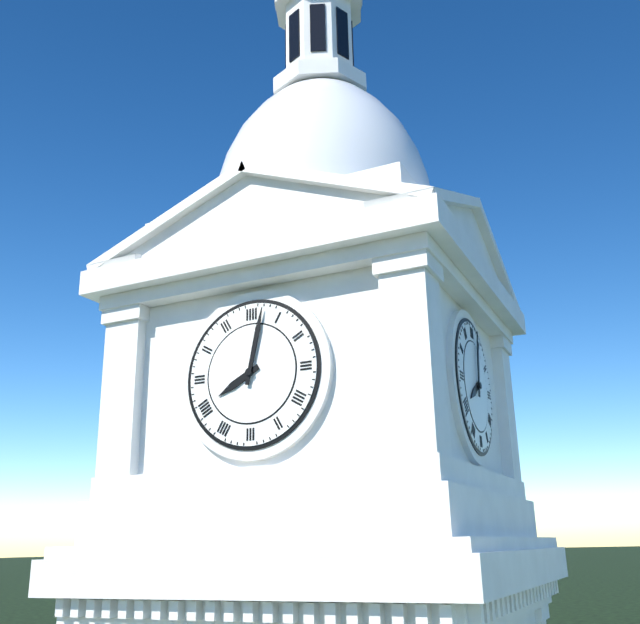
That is 8h02
